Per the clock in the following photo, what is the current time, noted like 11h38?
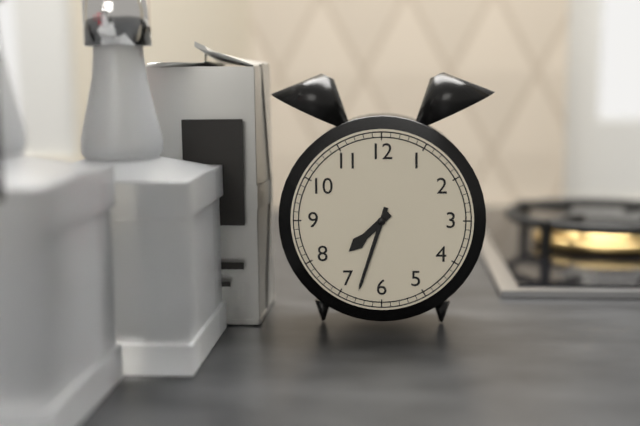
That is 7h33
